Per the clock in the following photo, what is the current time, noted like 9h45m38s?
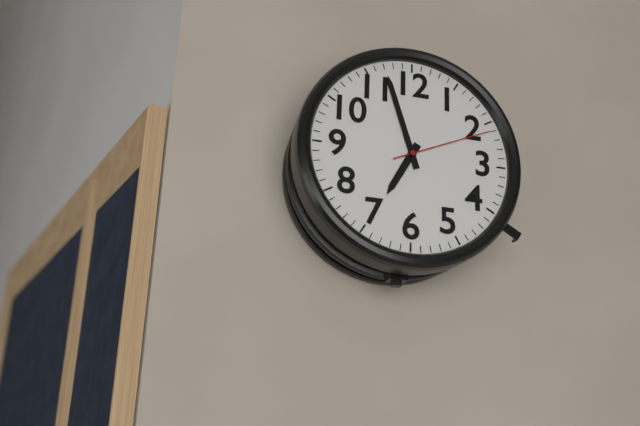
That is 6h57m11s
